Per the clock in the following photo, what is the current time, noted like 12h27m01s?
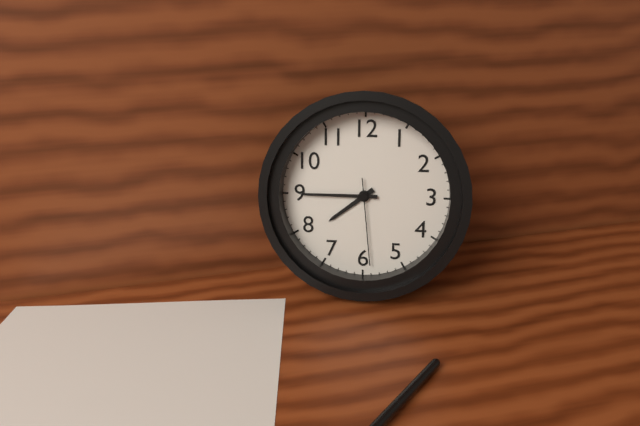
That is 7h45m29s
